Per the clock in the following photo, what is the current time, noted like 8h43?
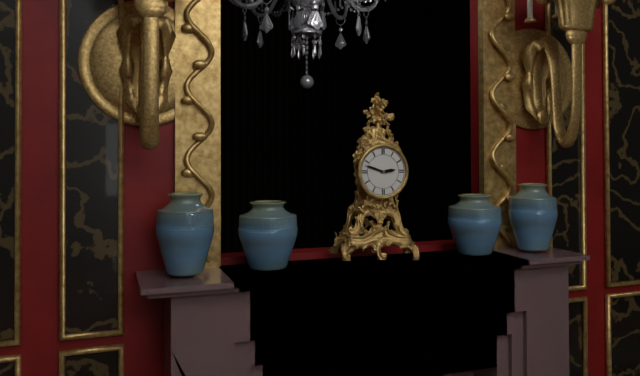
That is 2h48
